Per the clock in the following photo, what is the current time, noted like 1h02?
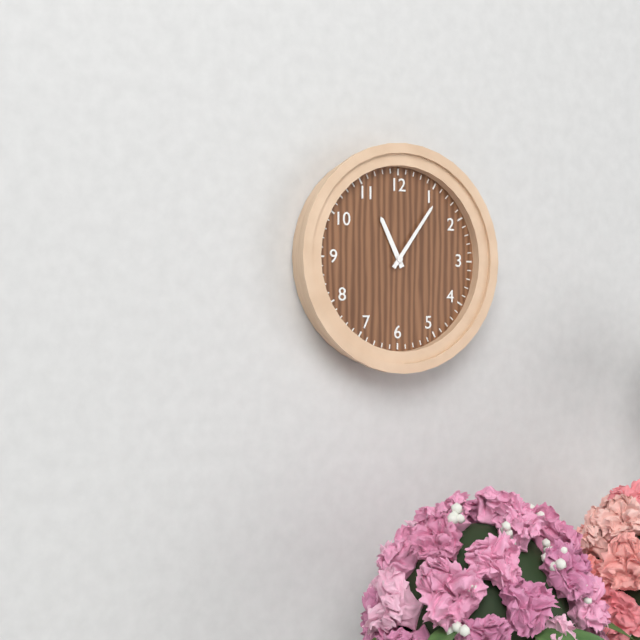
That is 11h06
